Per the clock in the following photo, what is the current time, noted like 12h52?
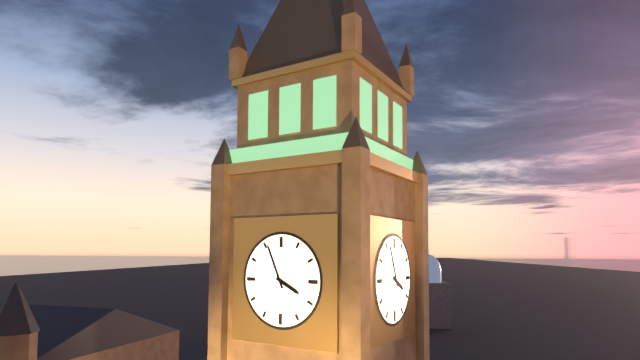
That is 3h56
